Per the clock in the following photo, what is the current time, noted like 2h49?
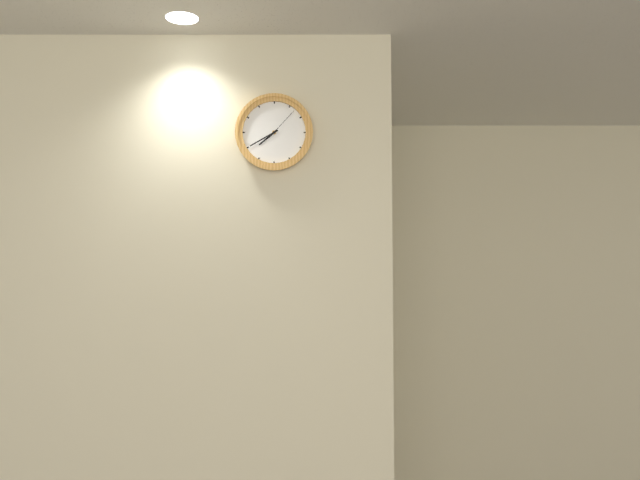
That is 7h40
